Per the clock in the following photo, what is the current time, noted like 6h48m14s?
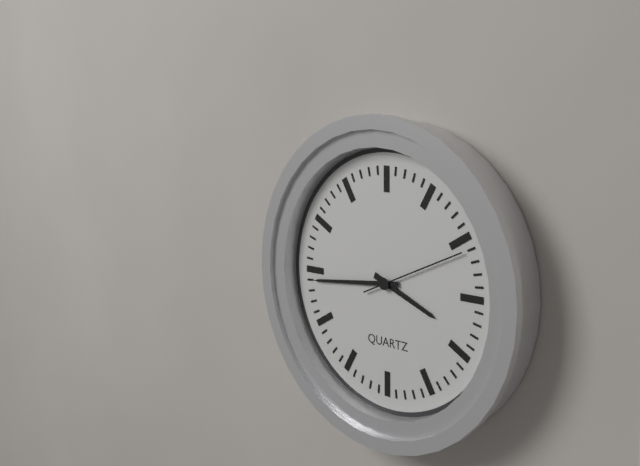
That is 3h44m11s
